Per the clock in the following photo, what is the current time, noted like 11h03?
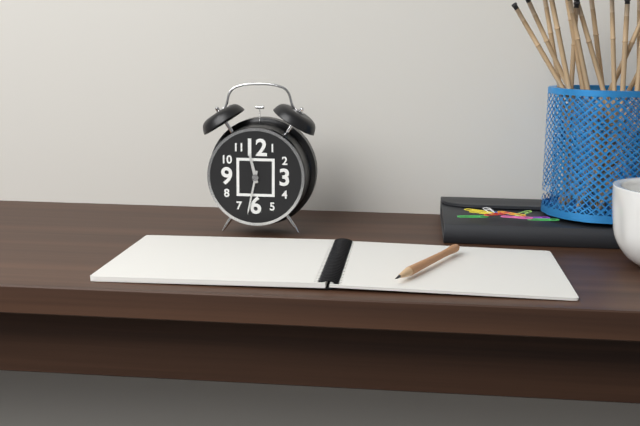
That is 11h32
